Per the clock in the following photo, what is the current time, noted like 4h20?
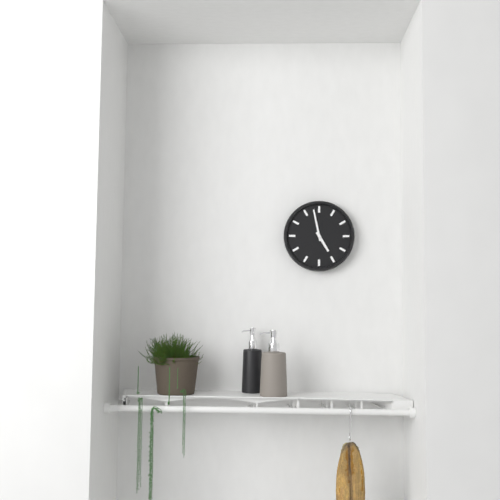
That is 4h58
